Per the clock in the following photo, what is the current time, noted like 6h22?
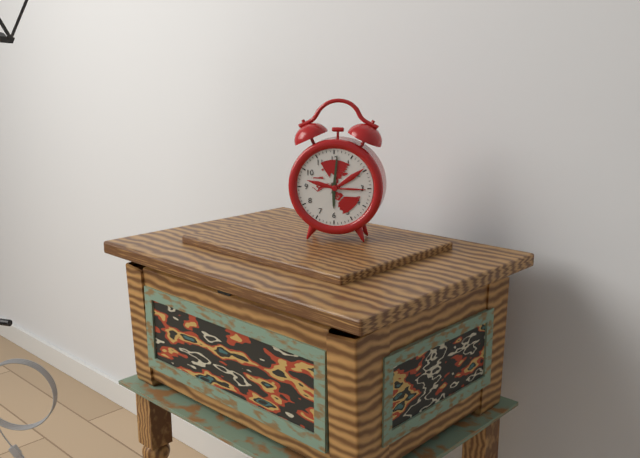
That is 6h01
